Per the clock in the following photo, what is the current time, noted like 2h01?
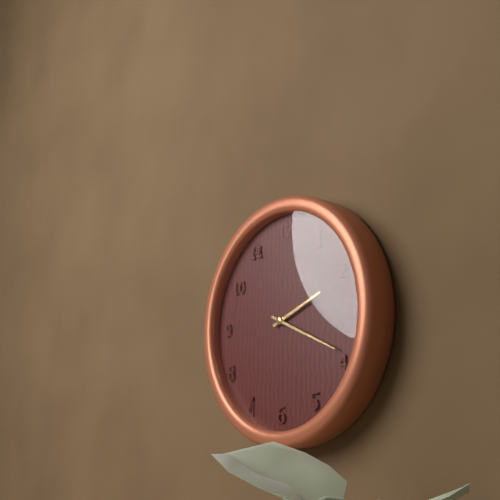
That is 2h19
